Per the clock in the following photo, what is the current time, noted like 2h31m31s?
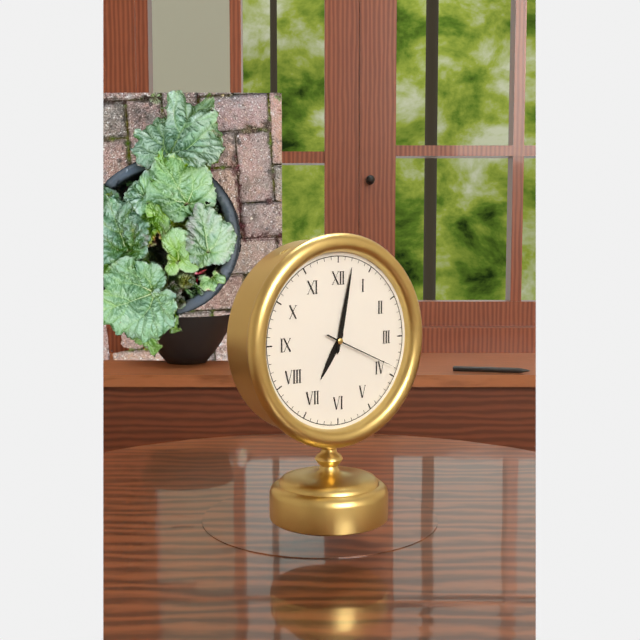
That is 7h02m19s
